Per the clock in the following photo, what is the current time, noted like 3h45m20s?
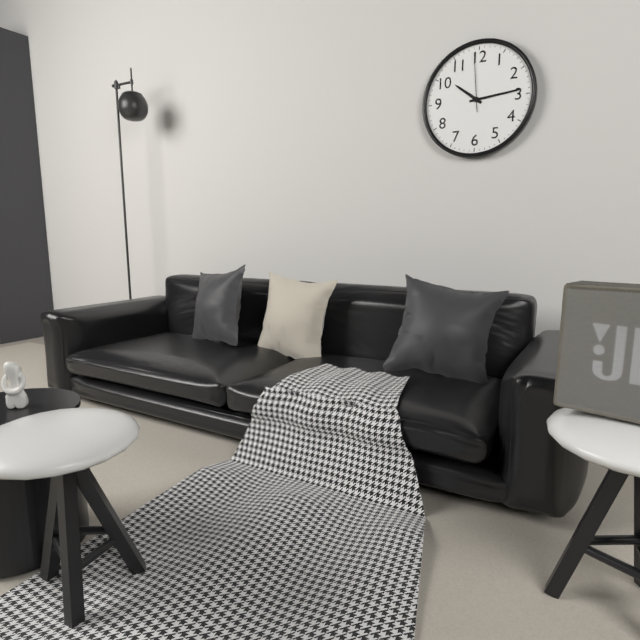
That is 10h14m59s
